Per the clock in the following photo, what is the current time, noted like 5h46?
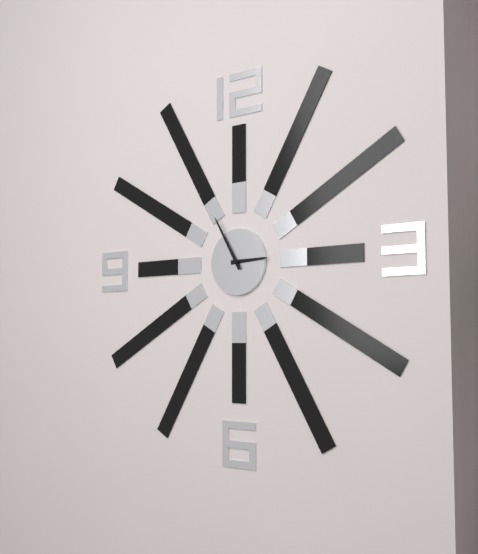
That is 2h55
